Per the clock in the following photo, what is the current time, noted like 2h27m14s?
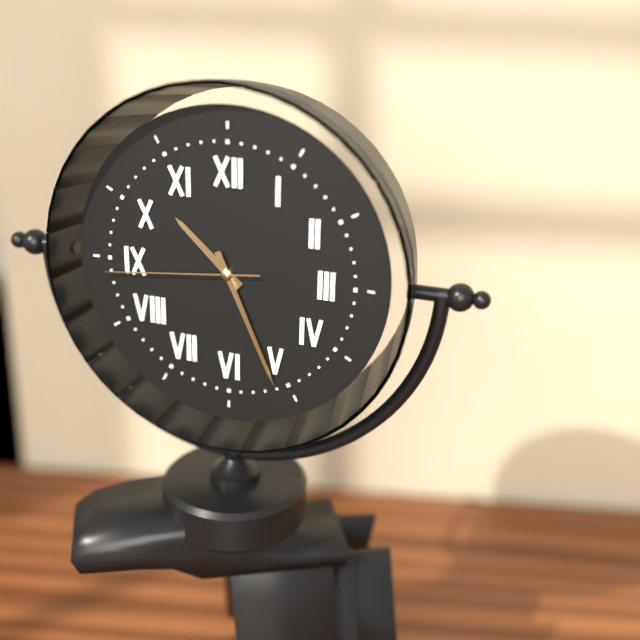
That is 10h26m44s
